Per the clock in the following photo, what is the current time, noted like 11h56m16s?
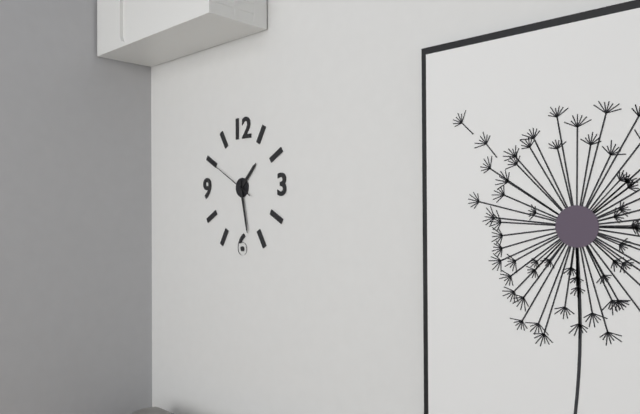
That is 1h28m50s
